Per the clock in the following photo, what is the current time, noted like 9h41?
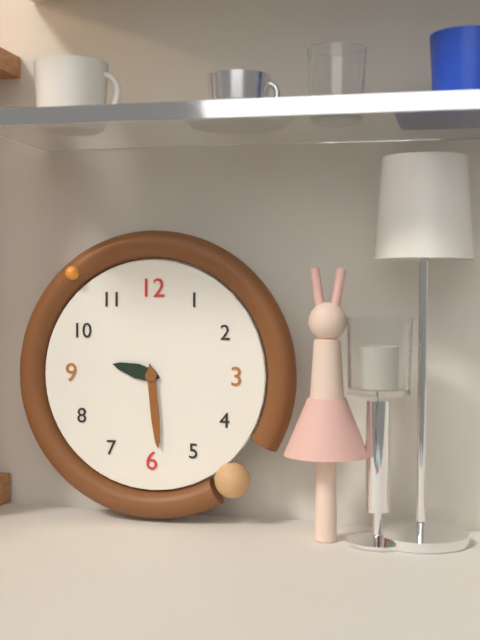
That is 9h29
